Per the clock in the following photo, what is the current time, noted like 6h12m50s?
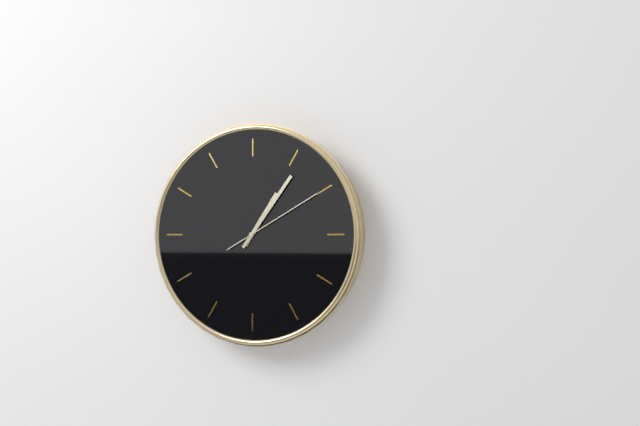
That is 1h06m10s
